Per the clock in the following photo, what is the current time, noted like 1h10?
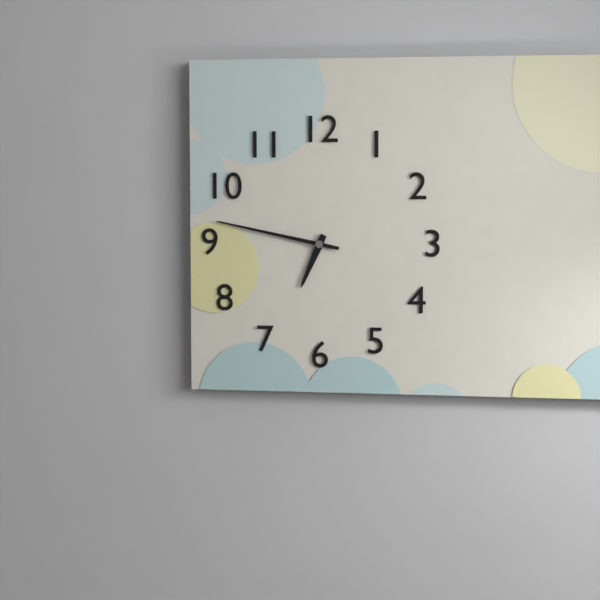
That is 6h47
